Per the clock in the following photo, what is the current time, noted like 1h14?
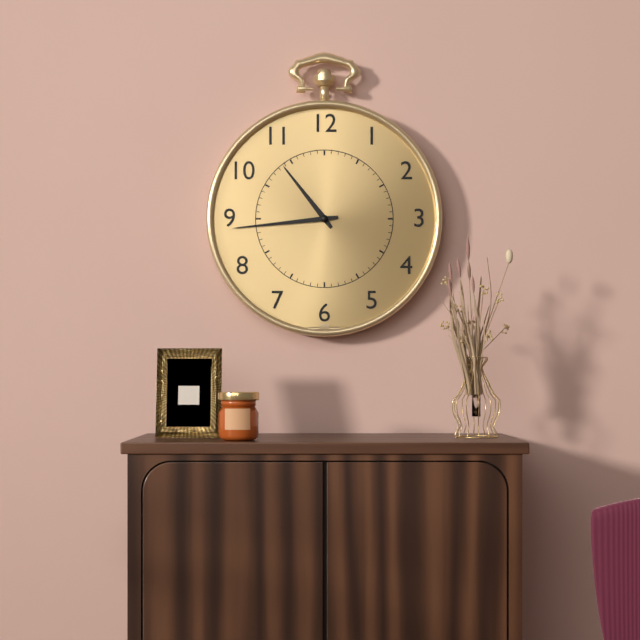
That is 10h44
